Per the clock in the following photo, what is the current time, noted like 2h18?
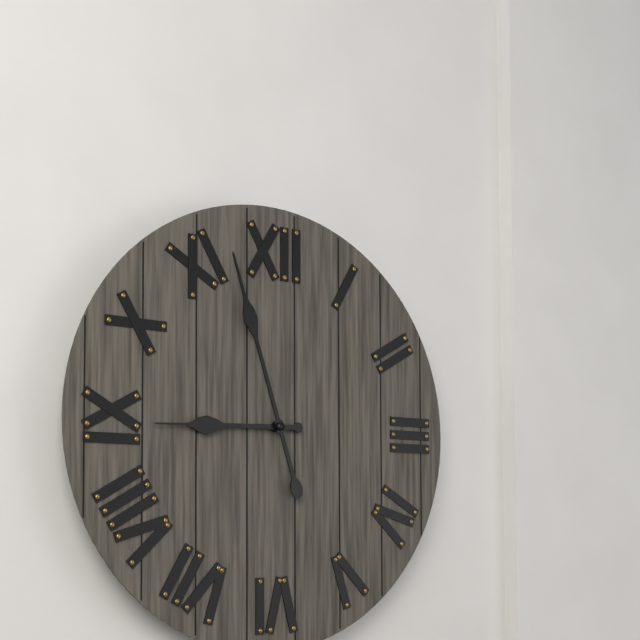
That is 8h57
